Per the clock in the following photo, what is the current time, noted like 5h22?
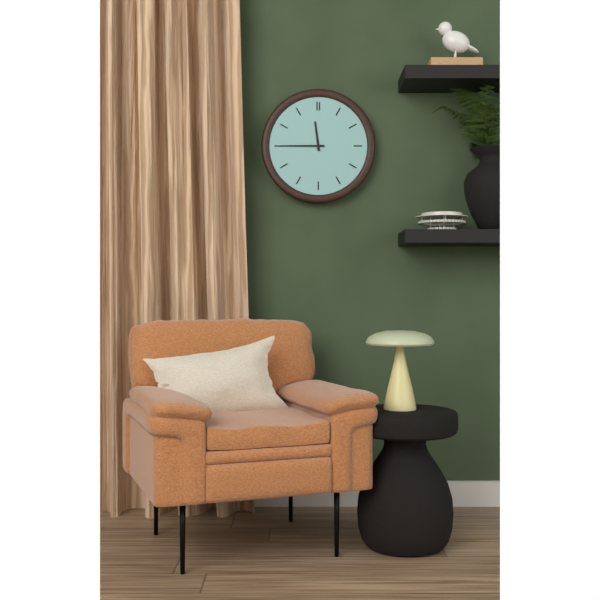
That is 11h45
